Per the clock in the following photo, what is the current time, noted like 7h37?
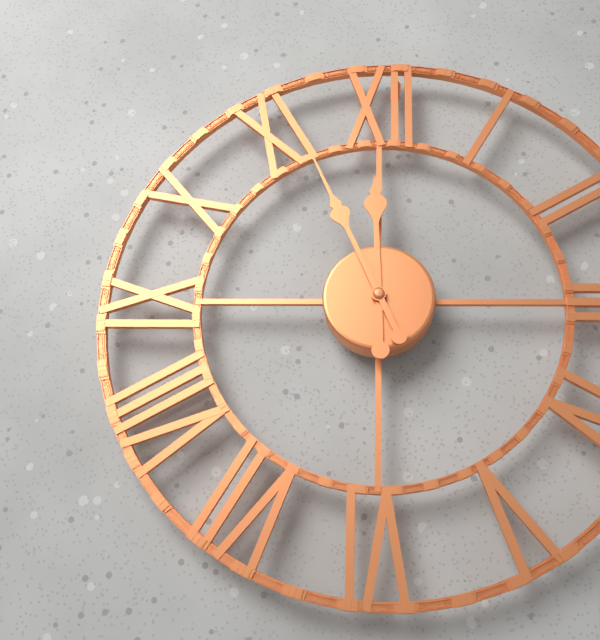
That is 11h56
